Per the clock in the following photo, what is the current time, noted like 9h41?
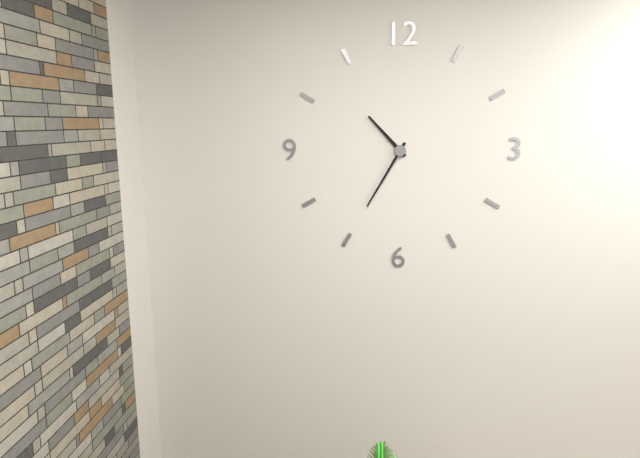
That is 10h35
